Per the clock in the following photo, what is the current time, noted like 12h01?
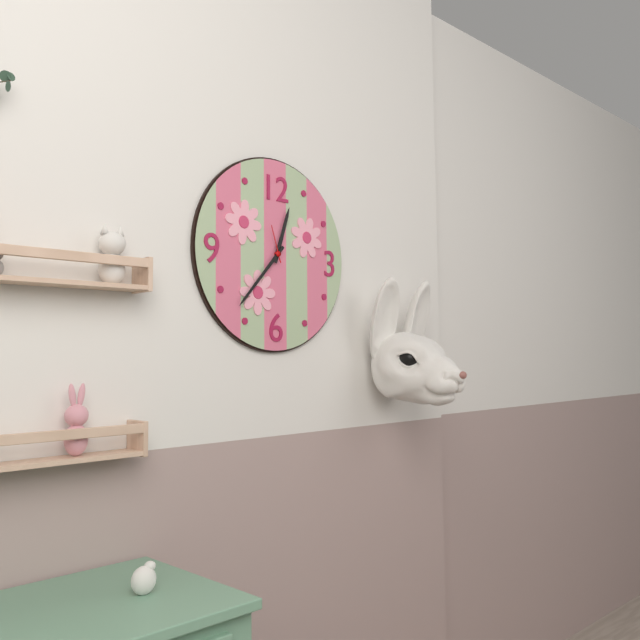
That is 12h37
